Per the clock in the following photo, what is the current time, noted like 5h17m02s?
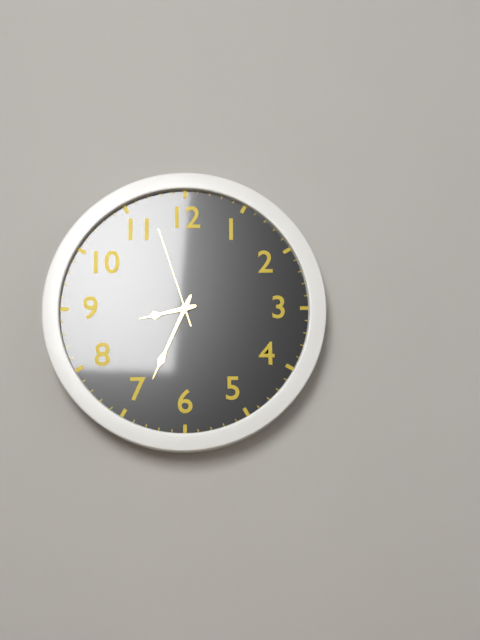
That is 8h34m57s
